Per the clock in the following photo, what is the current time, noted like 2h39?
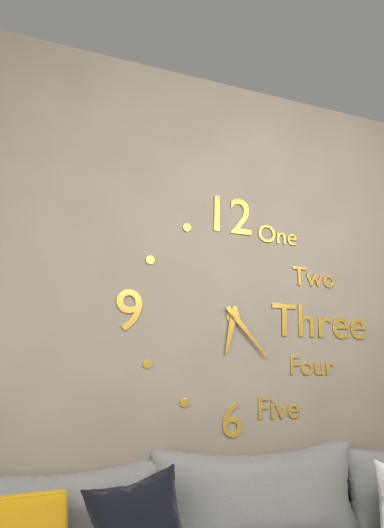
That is 6h23
